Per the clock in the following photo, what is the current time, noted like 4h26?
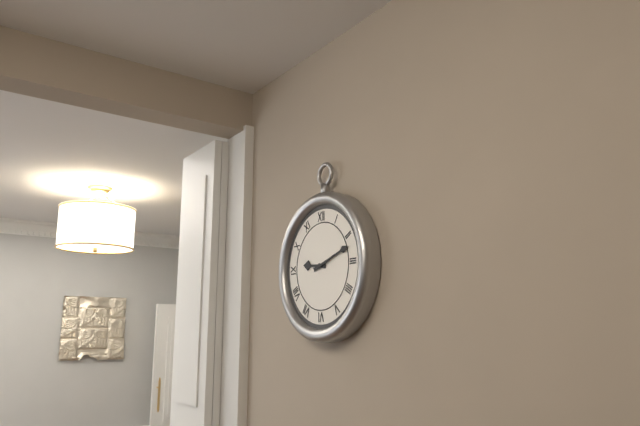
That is 9h12
